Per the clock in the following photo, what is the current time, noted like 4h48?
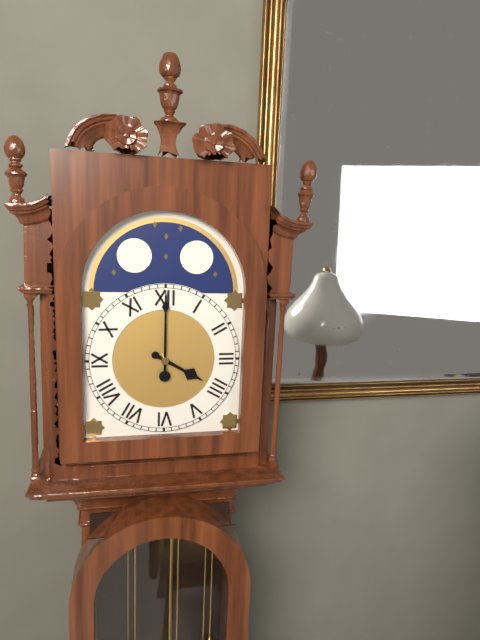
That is 4h00
